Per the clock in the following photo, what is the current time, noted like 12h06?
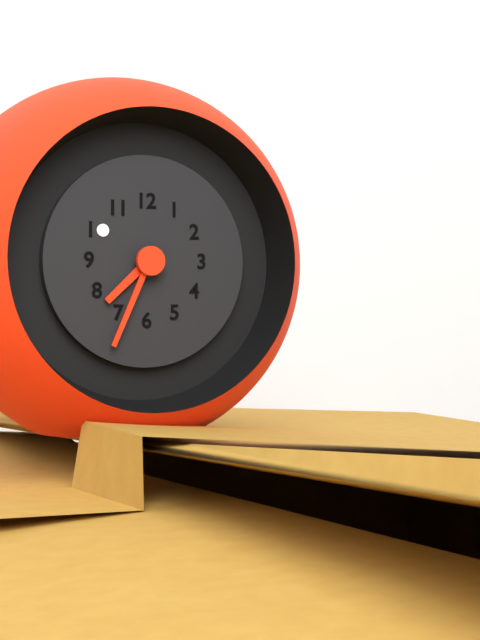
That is 7h34
